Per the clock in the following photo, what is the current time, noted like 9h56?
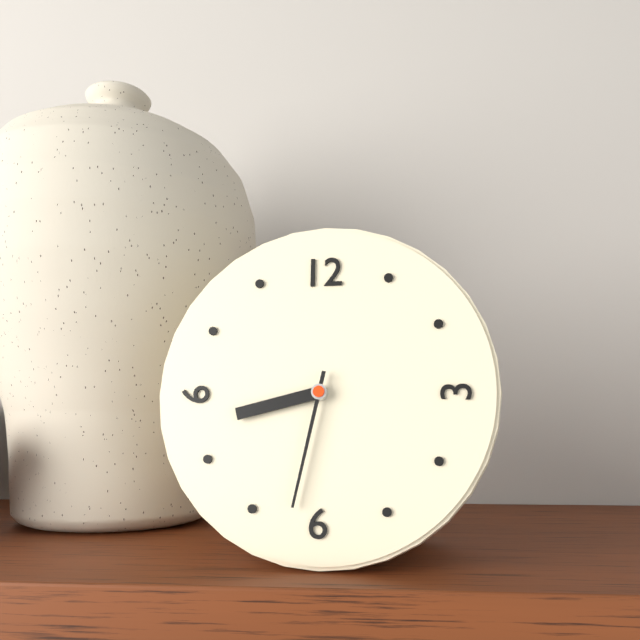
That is 8h32
